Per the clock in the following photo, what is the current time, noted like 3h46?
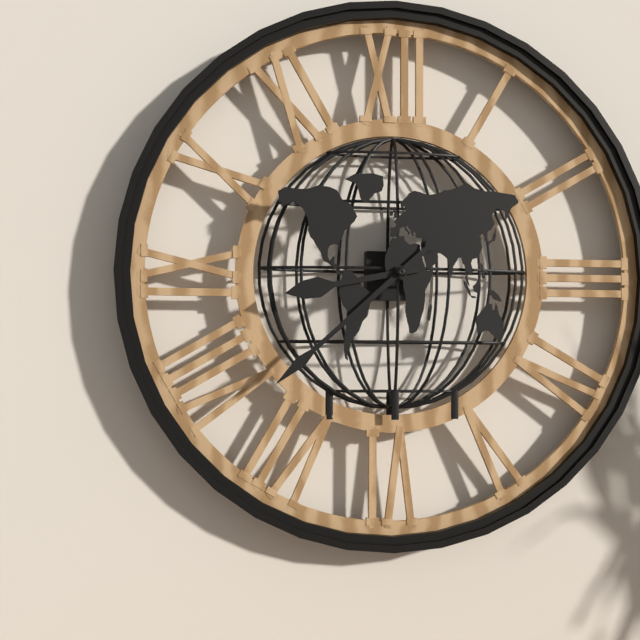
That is 8h38
